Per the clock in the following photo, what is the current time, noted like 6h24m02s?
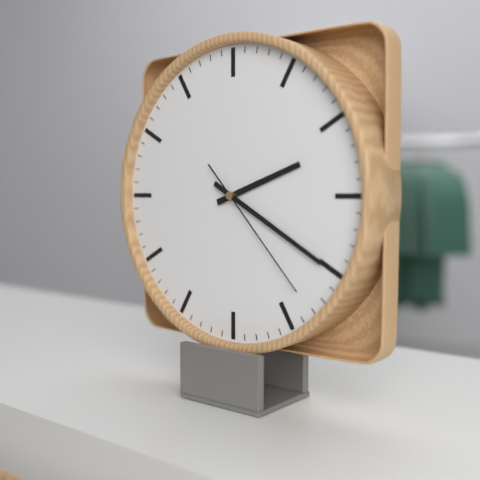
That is 2h20m23s
